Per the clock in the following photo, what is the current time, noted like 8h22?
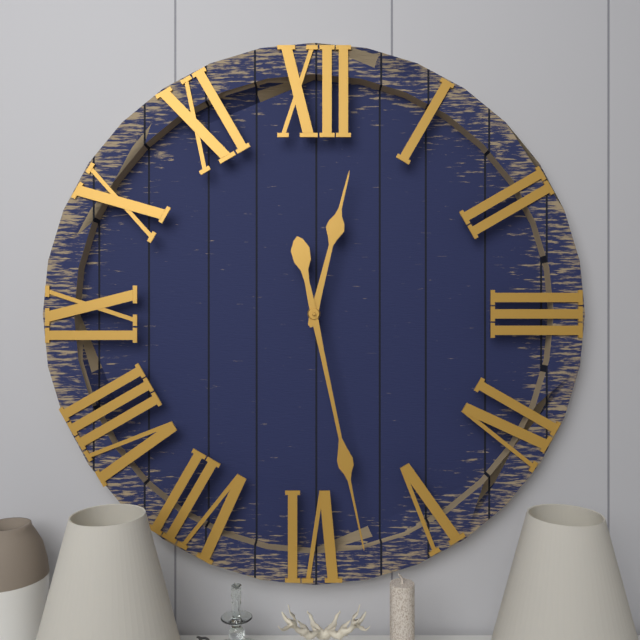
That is 12h28
